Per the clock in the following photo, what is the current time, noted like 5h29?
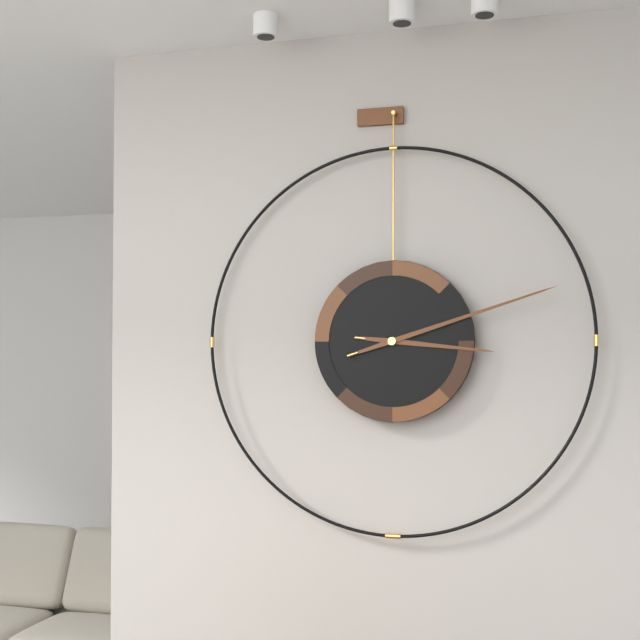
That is 3h12
